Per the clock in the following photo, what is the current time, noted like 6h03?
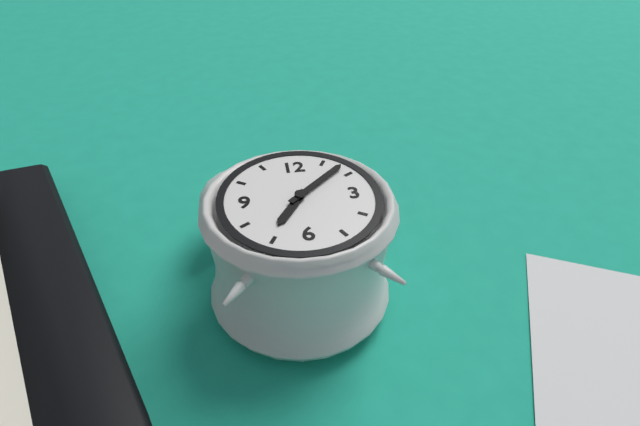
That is 7h08
